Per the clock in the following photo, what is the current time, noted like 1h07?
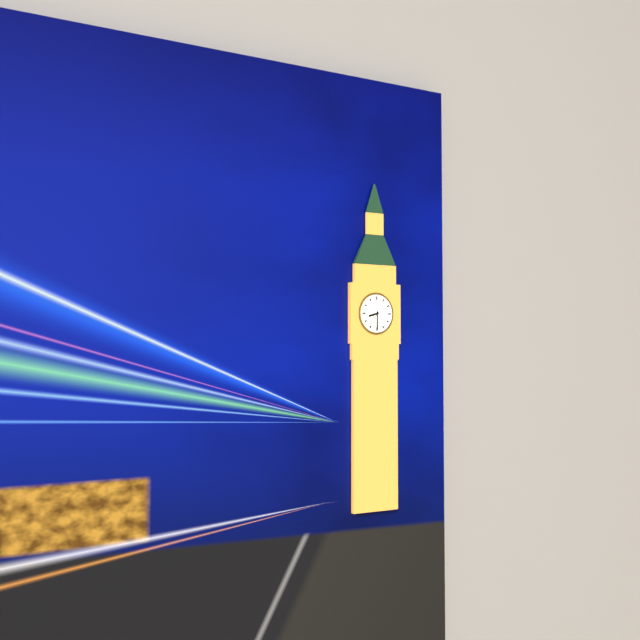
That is 8h30
